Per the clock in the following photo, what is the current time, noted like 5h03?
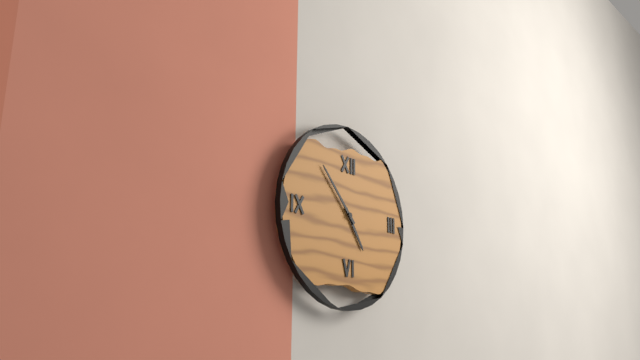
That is 4h53
